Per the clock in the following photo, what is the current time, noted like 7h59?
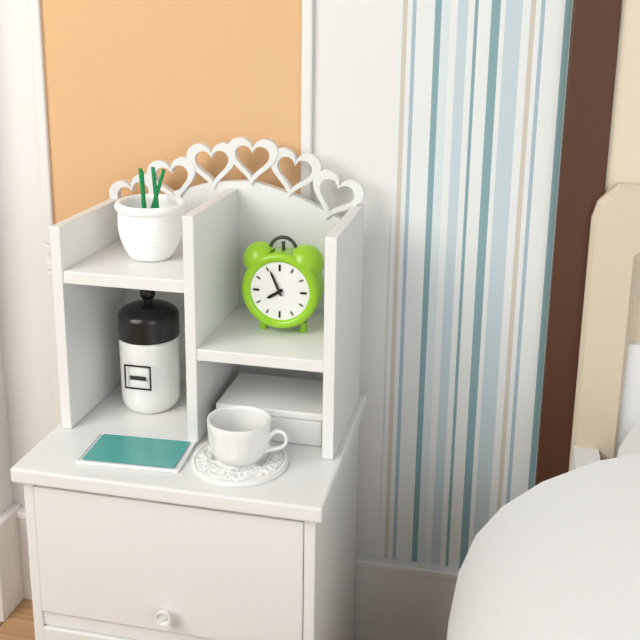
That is 7h56
